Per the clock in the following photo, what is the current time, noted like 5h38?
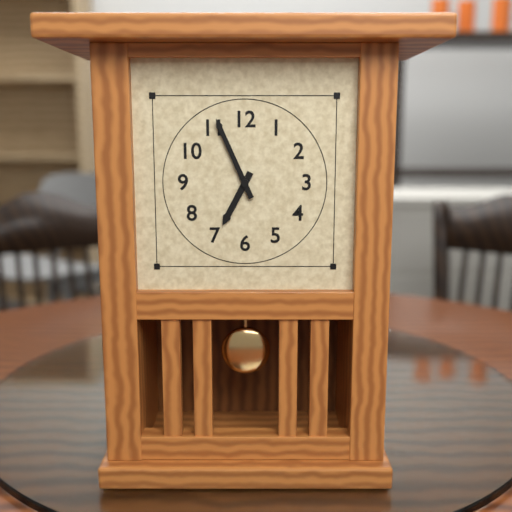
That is 6h56
